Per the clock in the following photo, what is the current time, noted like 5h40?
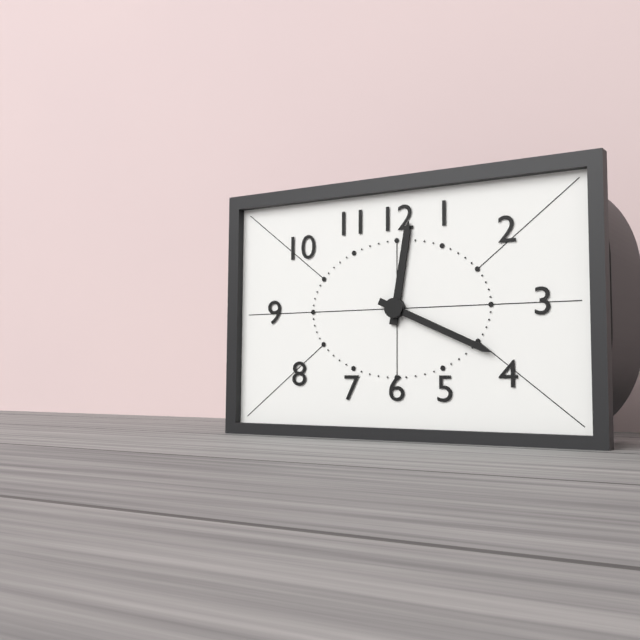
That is 12h19
